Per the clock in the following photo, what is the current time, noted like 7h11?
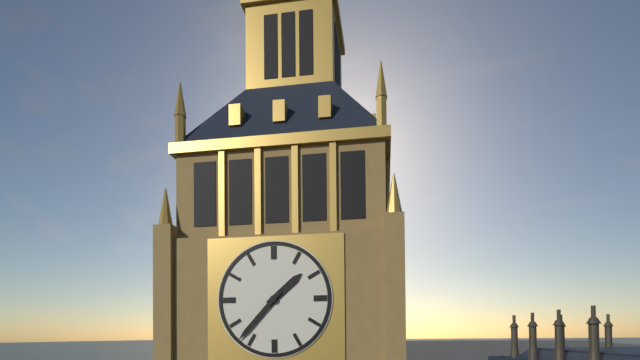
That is 1h37
